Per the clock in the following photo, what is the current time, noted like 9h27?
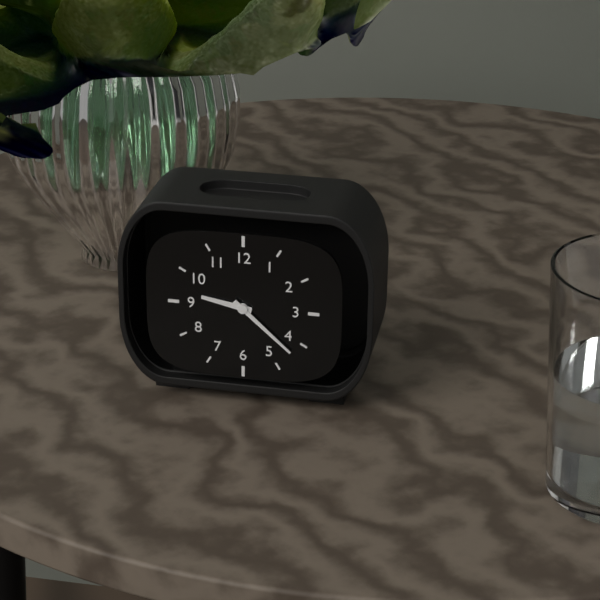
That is 9h22
